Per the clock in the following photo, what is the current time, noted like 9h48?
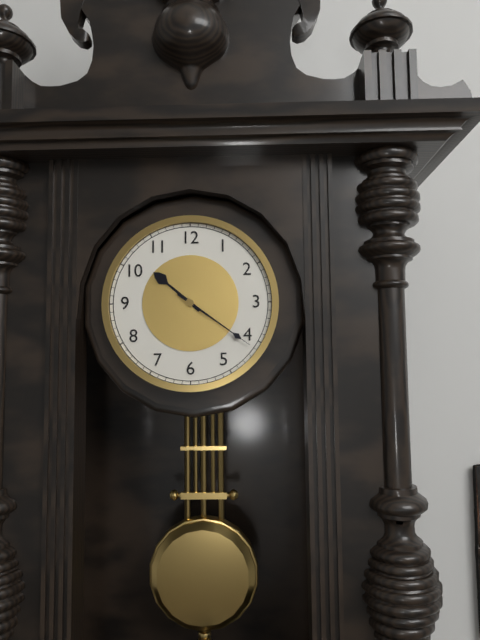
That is 10h21
